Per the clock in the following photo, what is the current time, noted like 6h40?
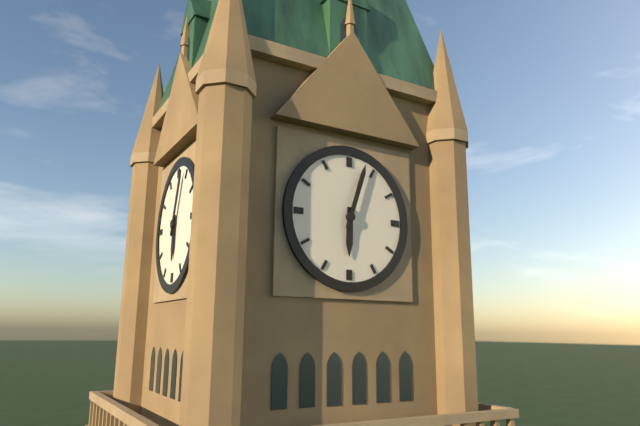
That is 6h03
